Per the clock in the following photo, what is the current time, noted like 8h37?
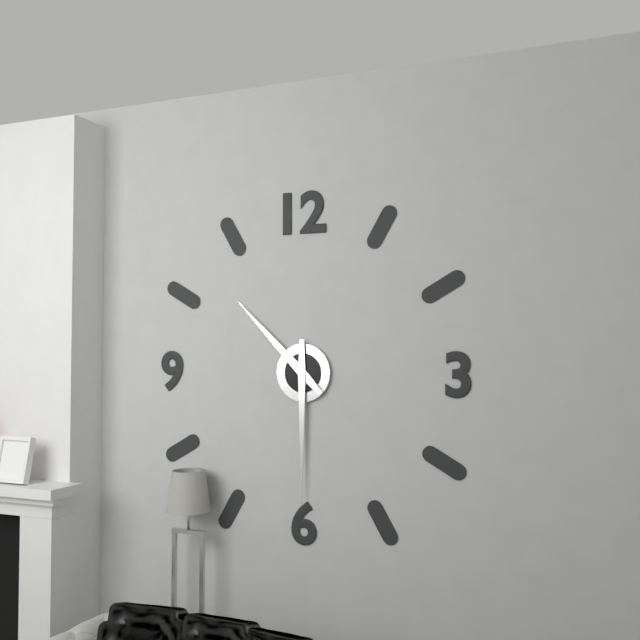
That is 10h30
